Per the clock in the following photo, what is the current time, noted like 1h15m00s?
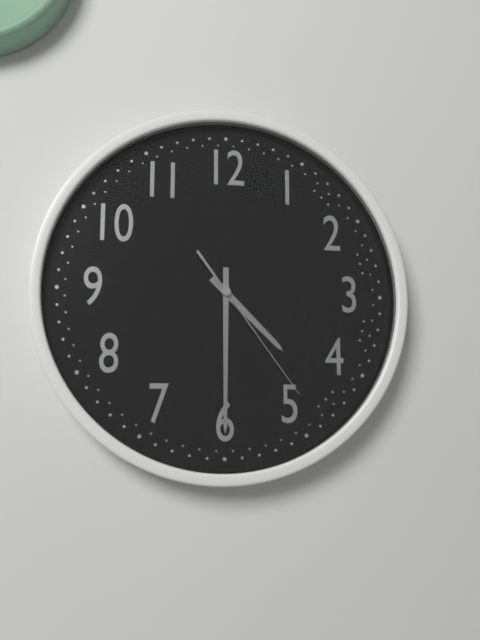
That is 4h30m24s
